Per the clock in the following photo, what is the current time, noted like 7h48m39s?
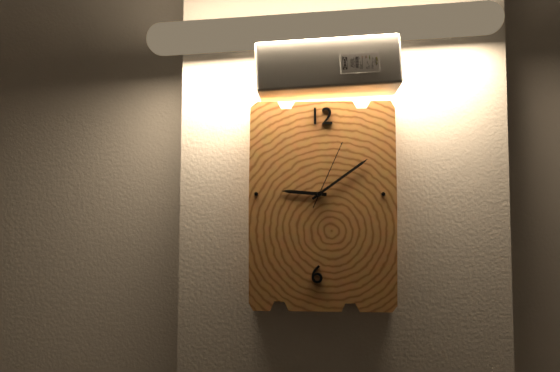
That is 9h09m04s
